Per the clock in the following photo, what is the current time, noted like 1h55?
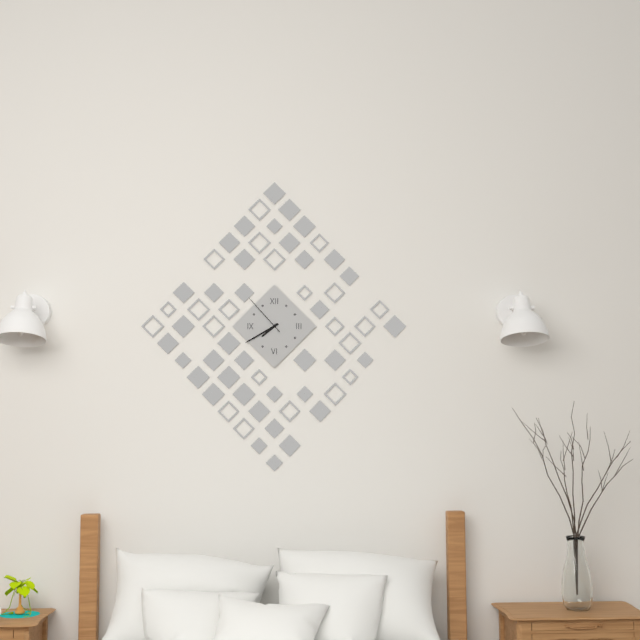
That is 7h40
